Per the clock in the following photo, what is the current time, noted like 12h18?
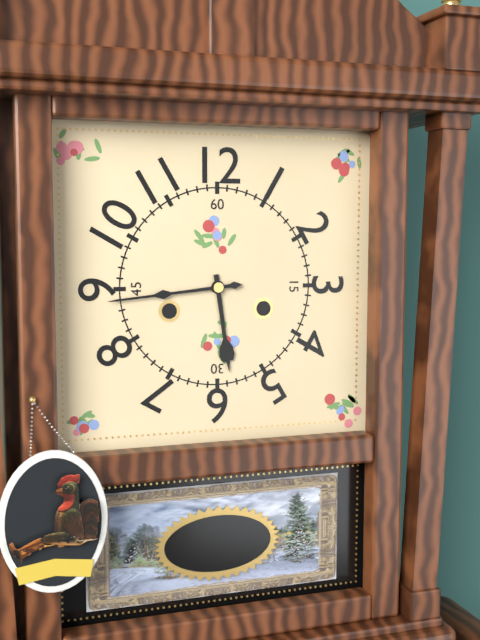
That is 5h44
